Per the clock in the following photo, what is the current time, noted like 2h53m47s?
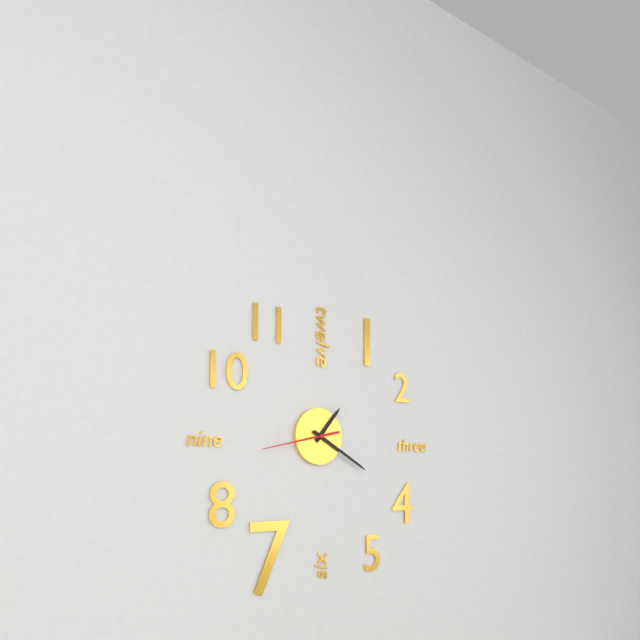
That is 1h20m43s
